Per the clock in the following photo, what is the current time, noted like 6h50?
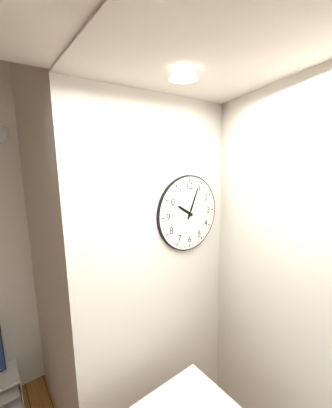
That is 10h04
